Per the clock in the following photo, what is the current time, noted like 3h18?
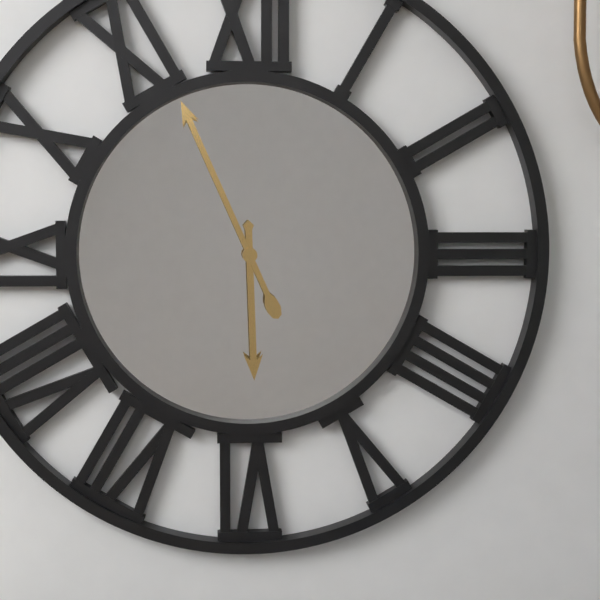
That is 5h56
